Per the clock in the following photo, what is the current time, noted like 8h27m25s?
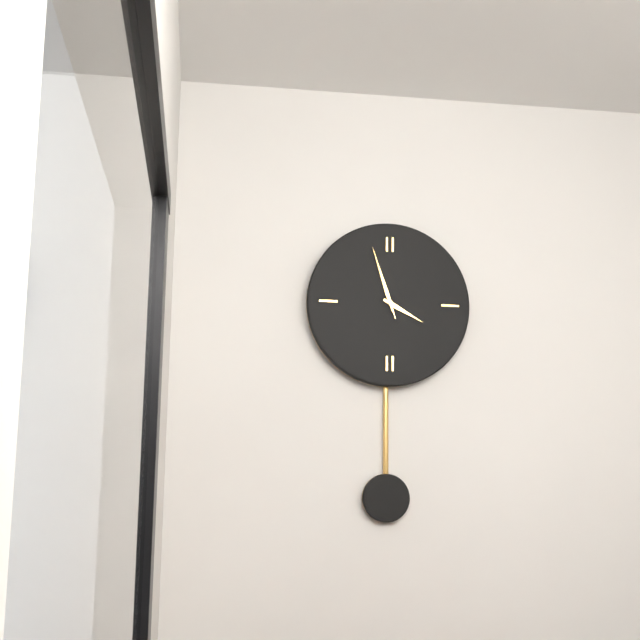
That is 3h57m57s
